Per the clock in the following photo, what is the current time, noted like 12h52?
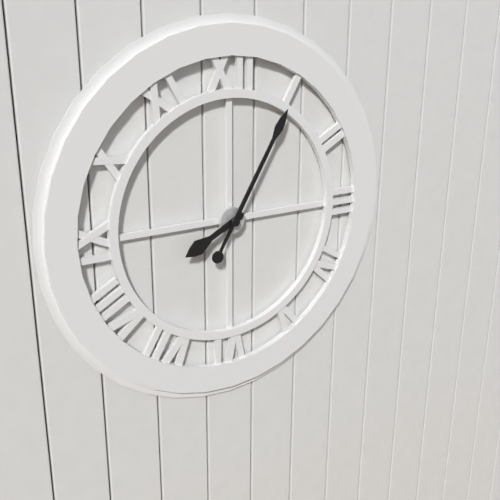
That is 8h05
